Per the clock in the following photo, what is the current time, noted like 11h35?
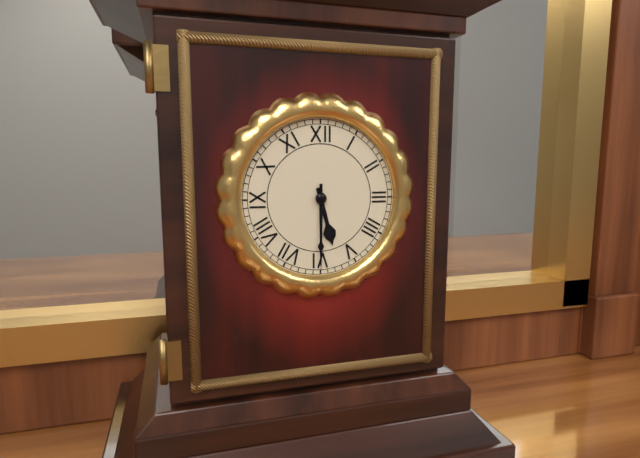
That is 5h30
